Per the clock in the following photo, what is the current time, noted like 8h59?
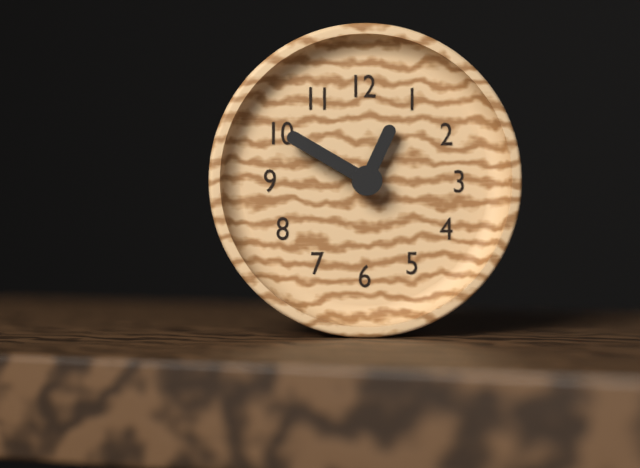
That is 12h50
